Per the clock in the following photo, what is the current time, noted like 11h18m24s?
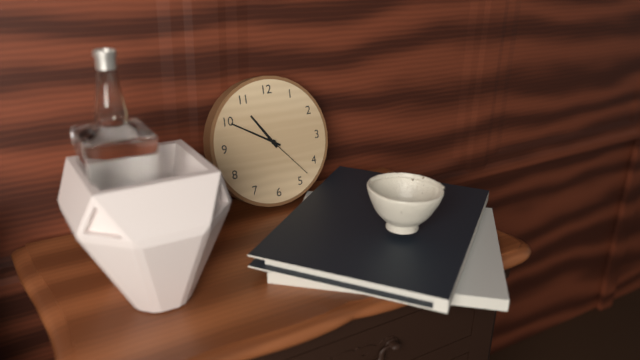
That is 10h50m23s
